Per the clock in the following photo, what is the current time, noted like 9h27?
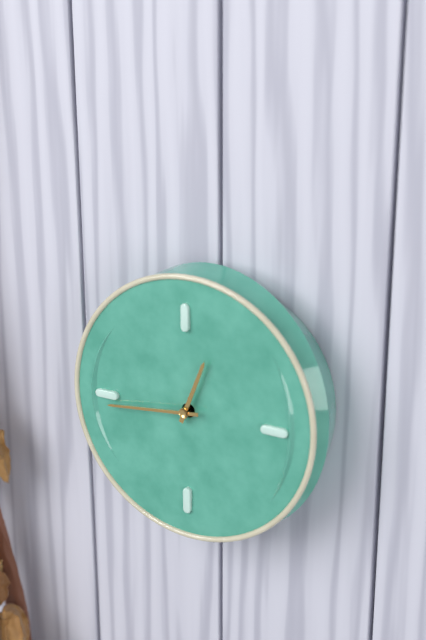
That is 12h44
